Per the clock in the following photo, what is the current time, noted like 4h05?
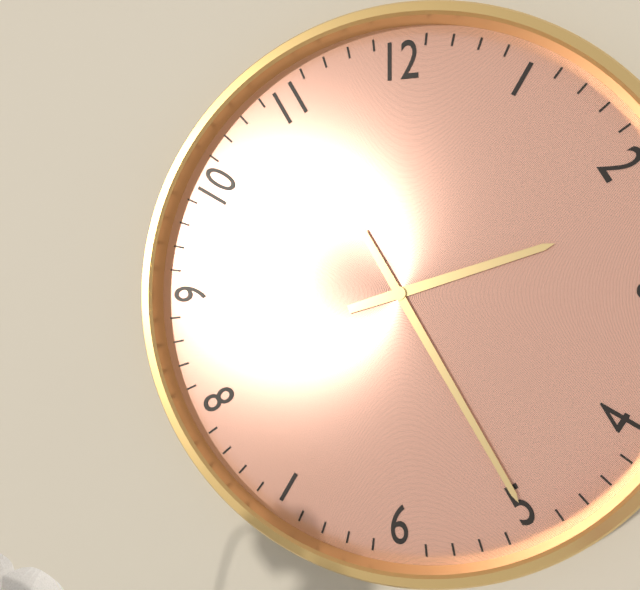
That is 2h25
